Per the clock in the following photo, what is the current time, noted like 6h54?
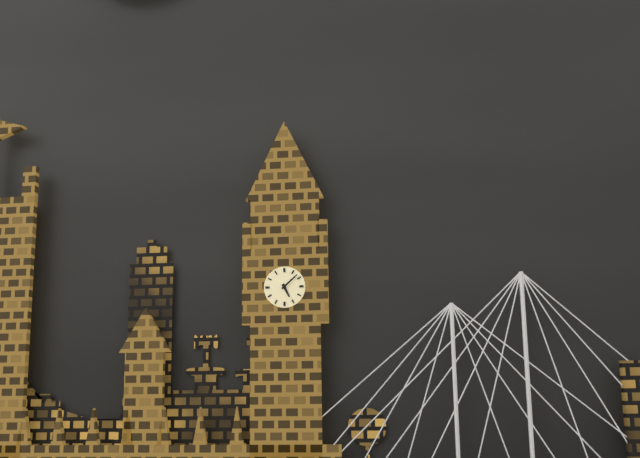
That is 5h08
